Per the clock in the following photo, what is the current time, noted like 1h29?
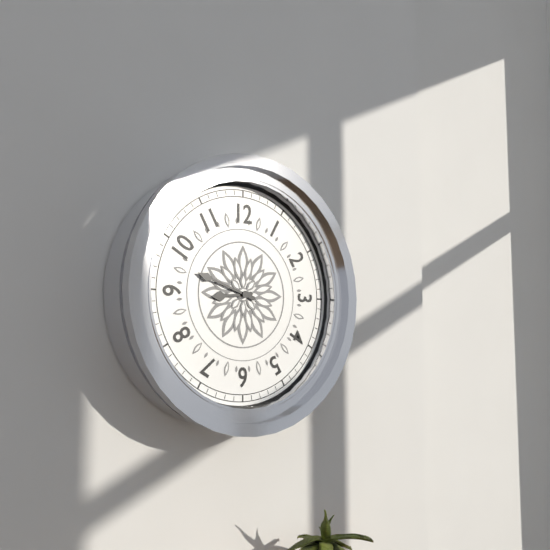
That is 8h48
